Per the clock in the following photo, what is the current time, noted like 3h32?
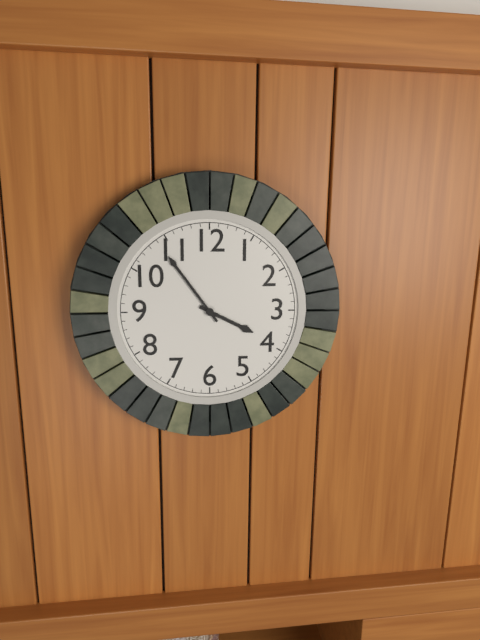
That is 3h54
